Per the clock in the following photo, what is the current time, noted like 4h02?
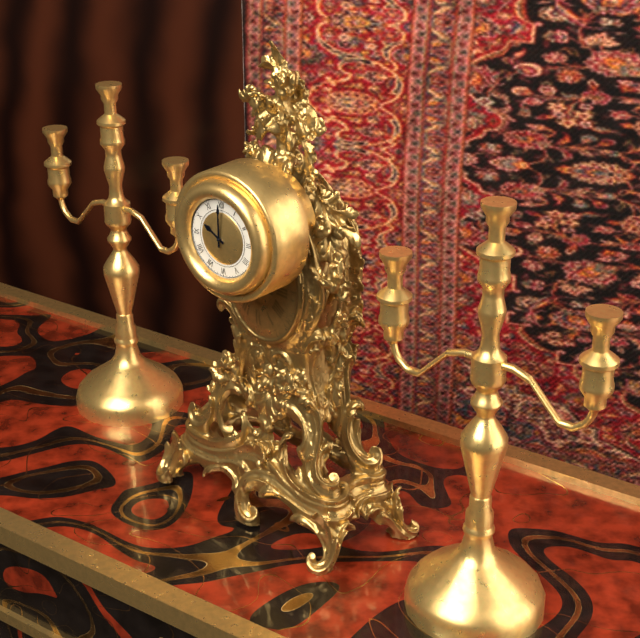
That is 10h00
